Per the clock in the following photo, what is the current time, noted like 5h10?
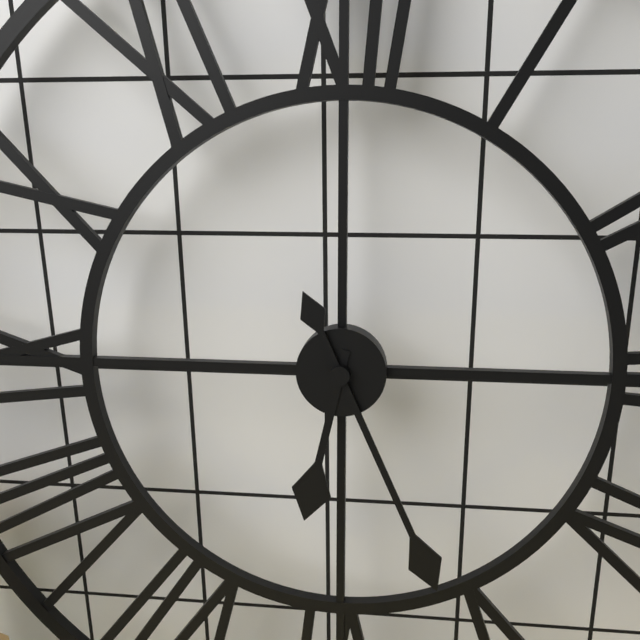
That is 6h26
